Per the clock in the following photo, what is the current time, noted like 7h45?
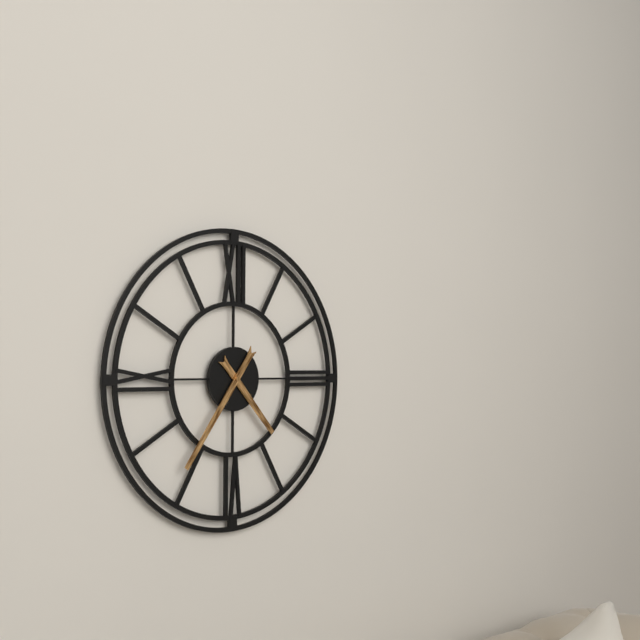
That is 4h36
